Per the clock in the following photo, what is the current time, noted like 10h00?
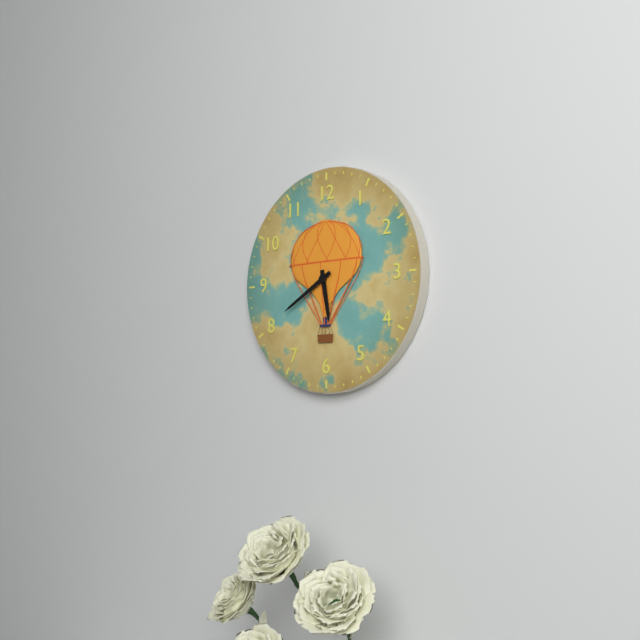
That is 5h40
